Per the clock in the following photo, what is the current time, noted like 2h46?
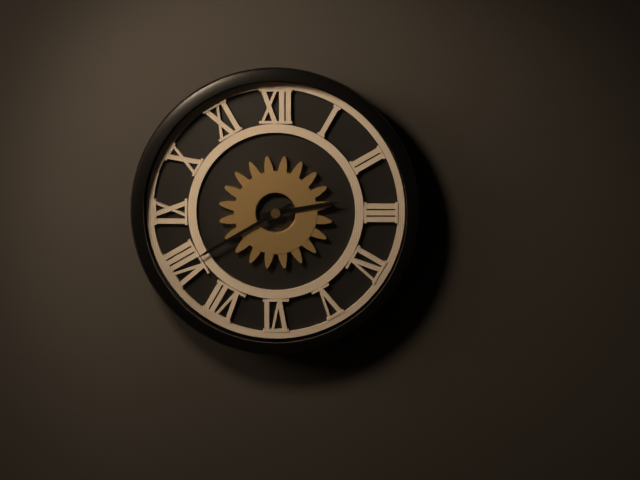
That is 2h40
